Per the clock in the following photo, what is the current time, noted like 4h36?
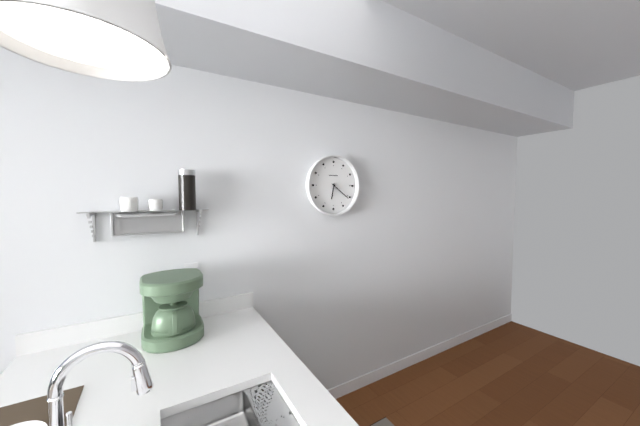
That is 6h21
